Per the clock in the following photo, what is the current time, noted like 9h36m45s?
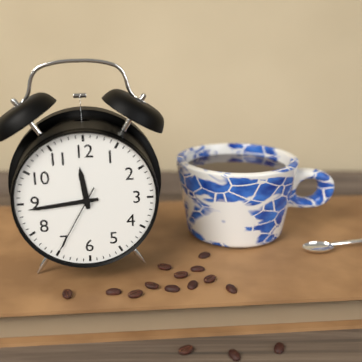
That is 11h44m35s
